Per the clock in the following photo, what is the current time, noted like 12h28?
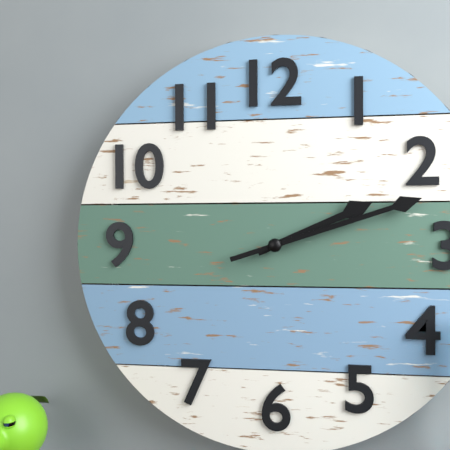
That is 2h12
